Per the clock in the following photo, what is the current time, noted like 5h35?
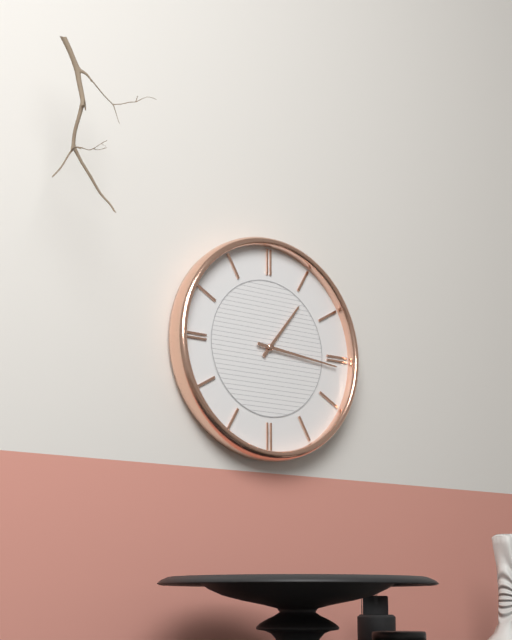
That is 1h16
